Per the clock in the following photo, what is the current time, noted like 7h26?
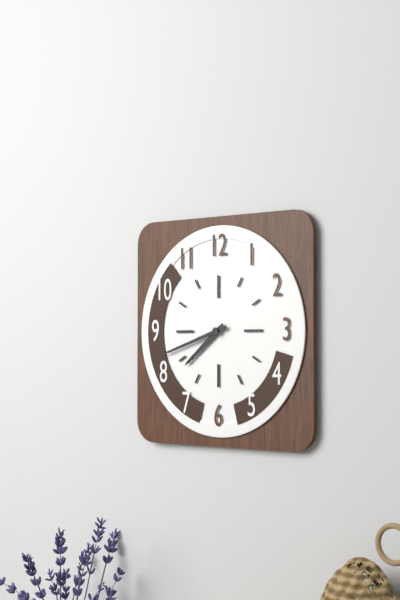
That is 7h42
